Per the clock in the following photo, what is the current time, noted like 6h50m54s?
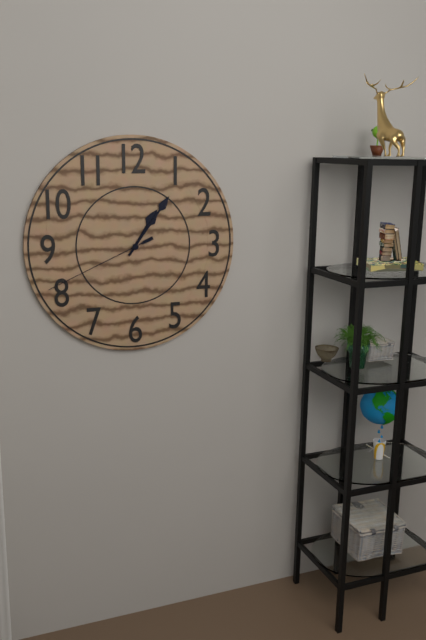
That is 1h06m41s
